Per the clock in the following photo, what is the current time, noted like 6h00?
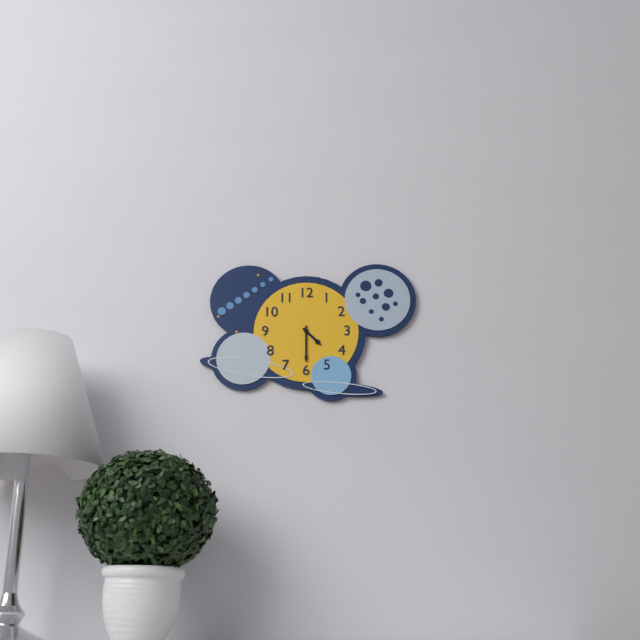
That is 4h30
